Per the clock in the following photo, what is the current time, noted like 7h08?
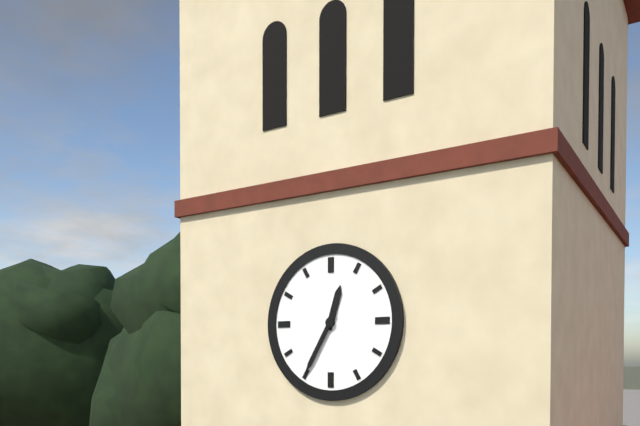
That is 12h35
